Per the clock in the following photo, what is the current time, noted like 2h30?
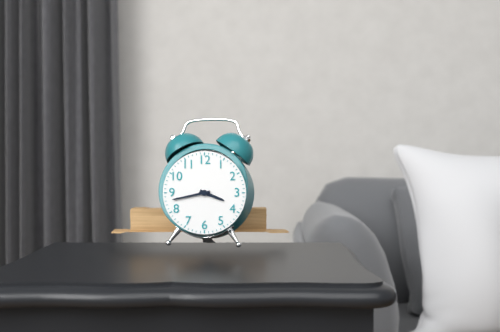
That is 3h43
